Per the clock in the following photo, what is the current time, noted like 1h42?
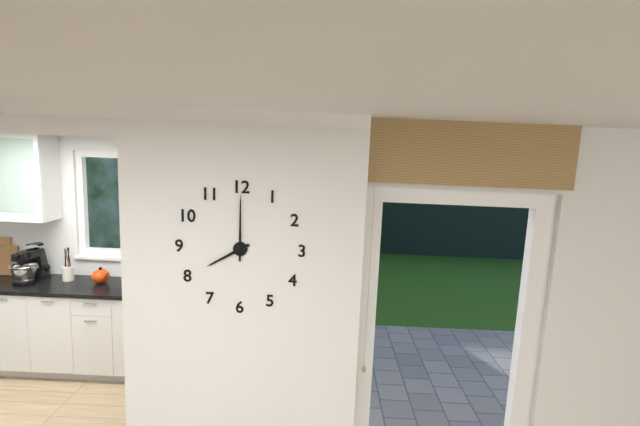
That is 8h00
